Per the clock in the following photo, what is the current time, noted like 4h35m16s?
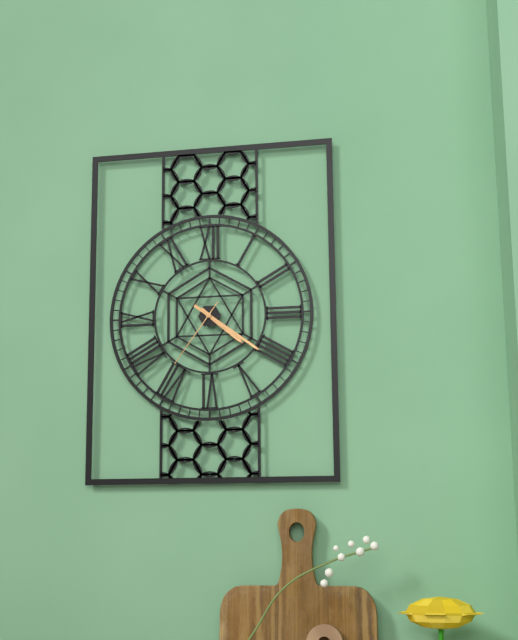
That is 4h21m36s
